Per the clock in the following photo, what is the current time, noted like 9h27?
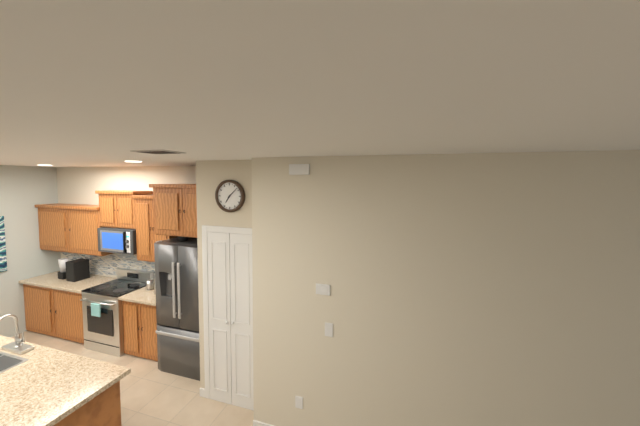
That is 7h08
